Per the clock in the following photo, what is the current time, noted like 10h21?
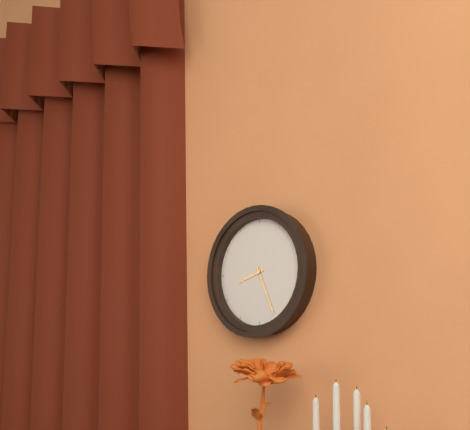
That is 8h26
